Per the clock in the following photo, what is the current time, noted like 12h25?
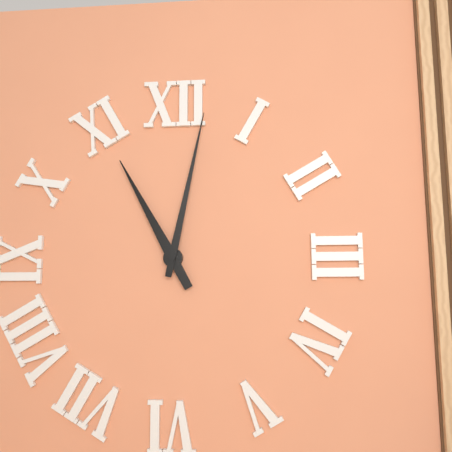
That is 11h02
